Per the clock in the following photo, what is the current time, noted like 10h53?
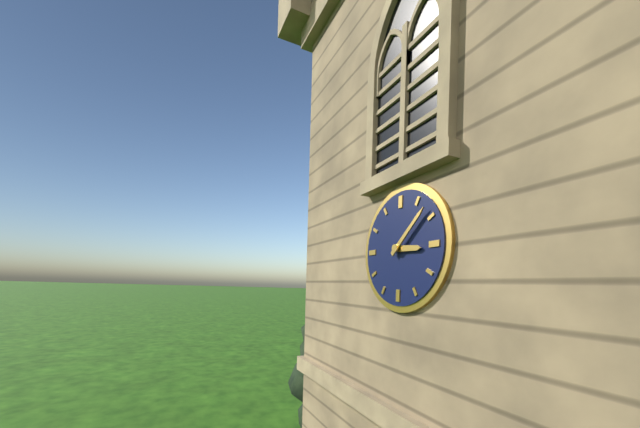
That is 3h08
